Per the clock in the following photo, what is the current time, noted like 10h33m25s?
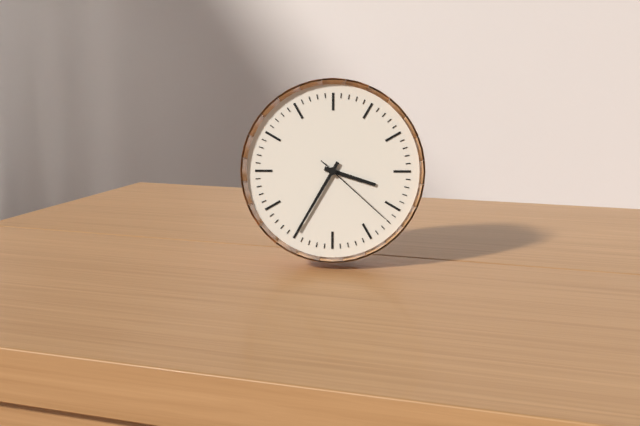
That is 3h35m22s
